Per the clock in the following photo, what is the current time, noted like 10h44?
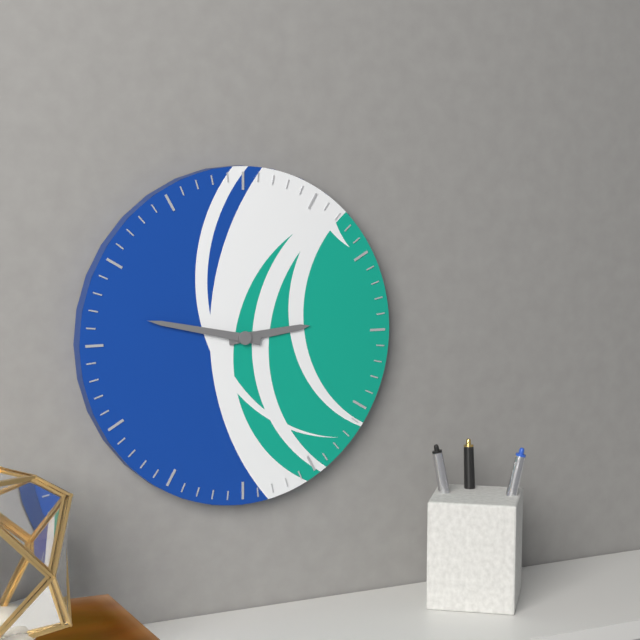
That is 2h47
